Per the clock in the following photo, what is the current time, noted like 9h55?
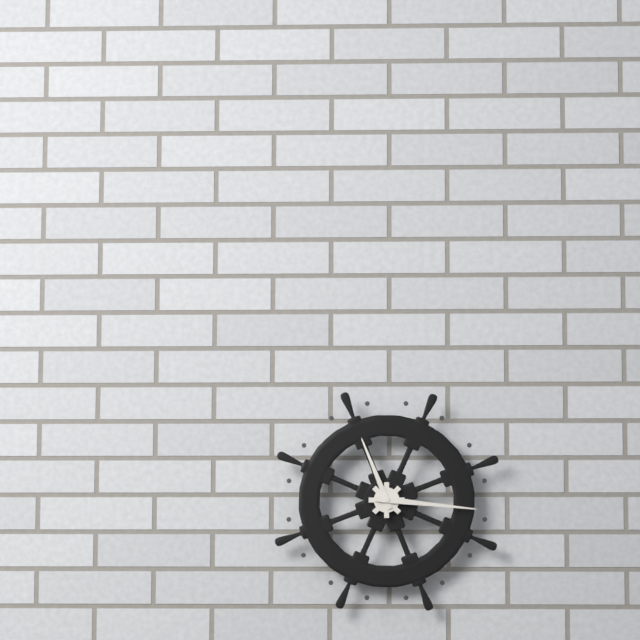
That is 11h16
